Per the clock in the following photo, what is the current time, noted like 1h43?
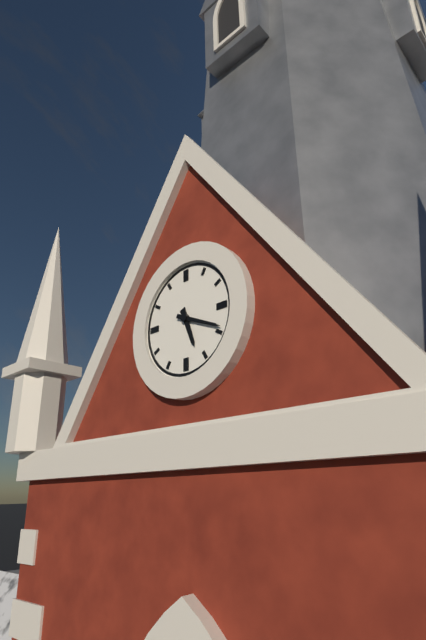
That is 5h19
